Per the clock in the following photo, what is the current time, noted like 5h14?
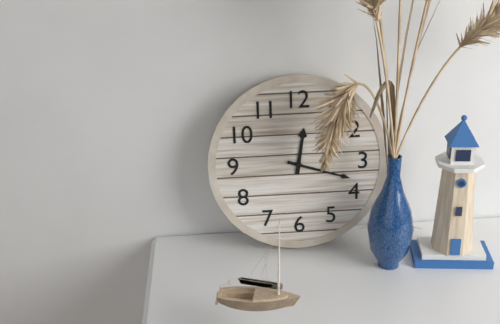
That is 12h18
